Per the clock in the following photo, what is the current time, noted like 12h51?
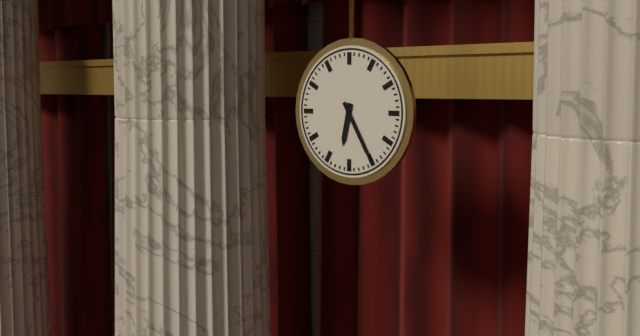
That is 6h25
